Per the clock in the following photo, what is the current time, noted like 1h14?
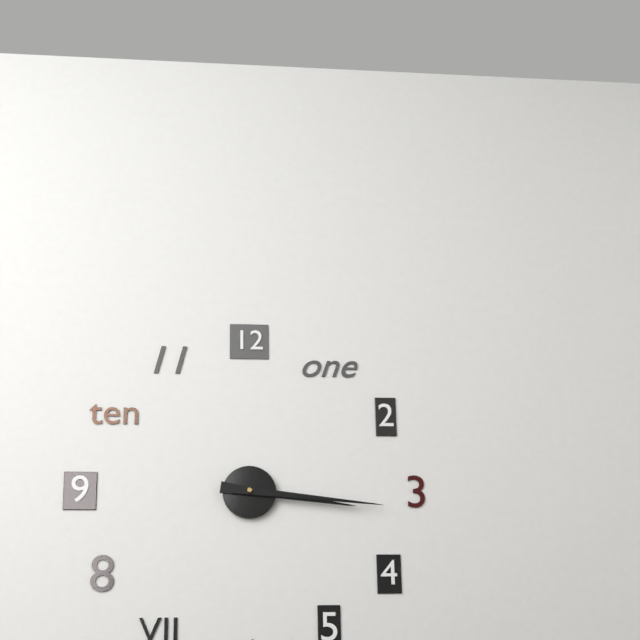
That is 3h16
